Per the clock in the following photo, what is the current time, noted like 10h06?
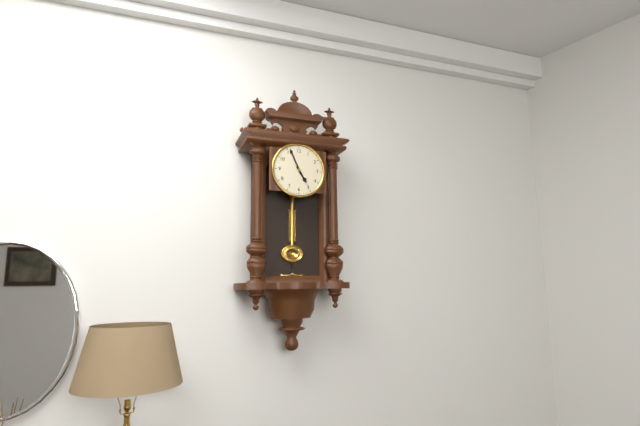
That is 4h56
